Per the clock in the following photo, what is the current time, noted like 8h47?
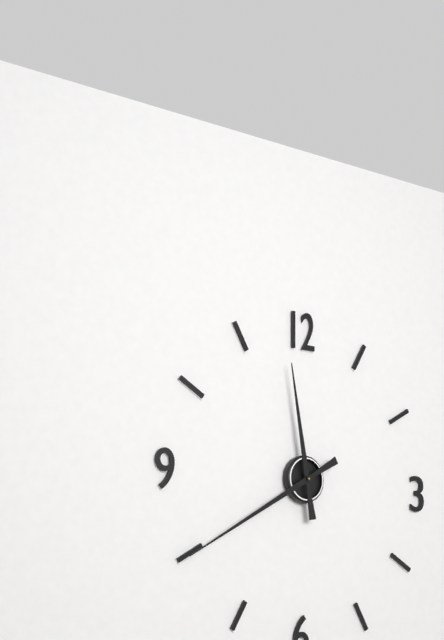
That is 11h40
